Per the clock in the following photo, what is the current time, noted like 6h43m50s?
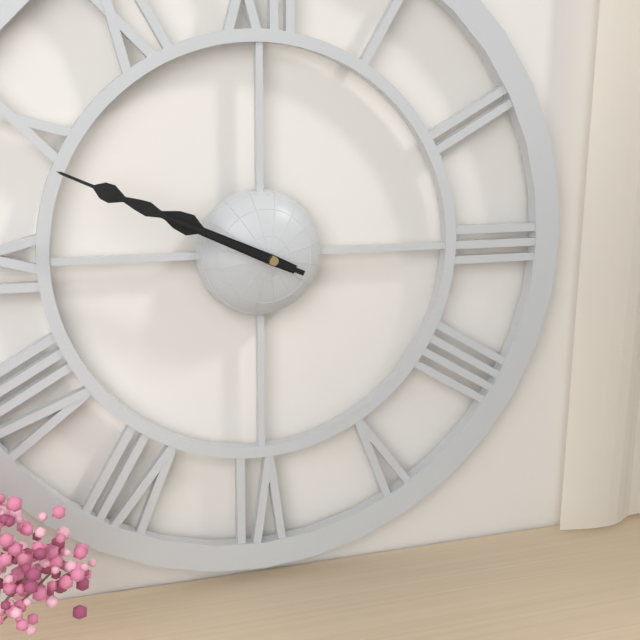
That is 9h49m49s
